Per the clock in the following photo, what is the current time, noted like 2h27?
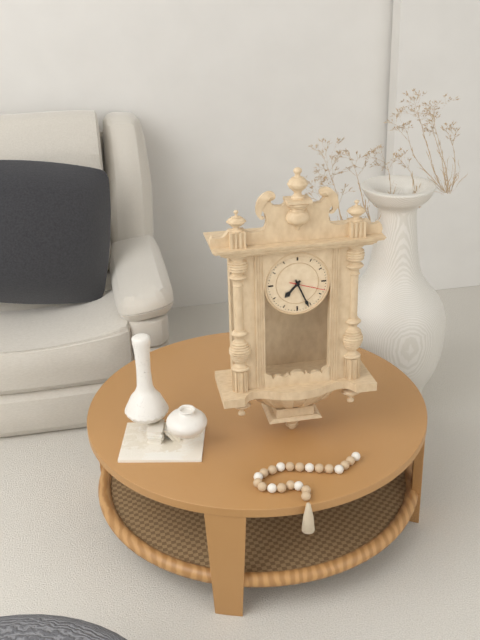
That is 7h26
